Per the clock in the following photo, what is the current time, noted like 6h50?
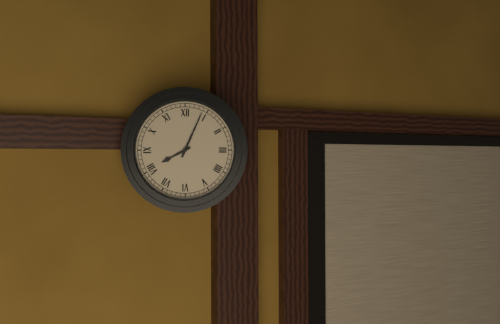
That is 8h04
